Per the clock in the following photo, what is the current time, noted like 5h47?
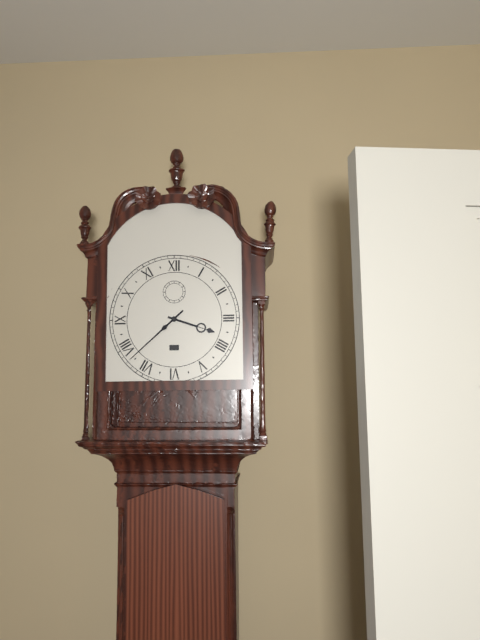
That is 3h38
